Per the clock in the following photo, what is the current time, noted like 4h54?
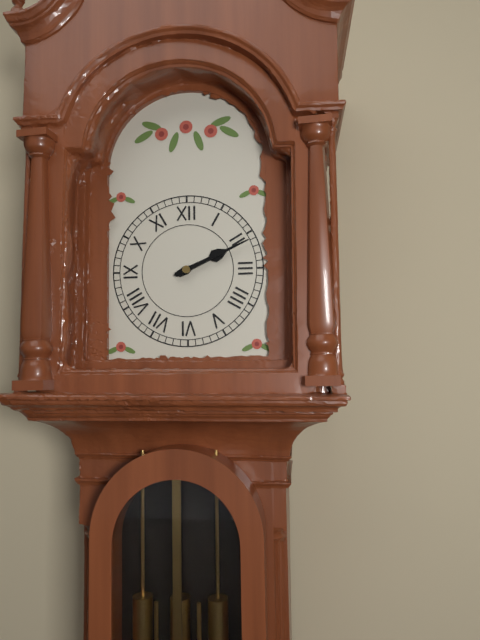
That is 2h11
